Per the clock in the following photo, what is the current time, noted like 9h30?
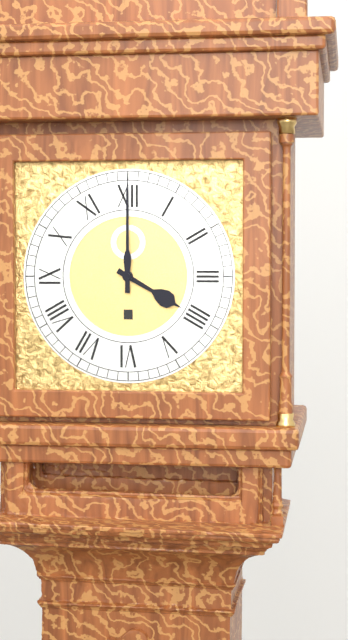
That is 4h00
